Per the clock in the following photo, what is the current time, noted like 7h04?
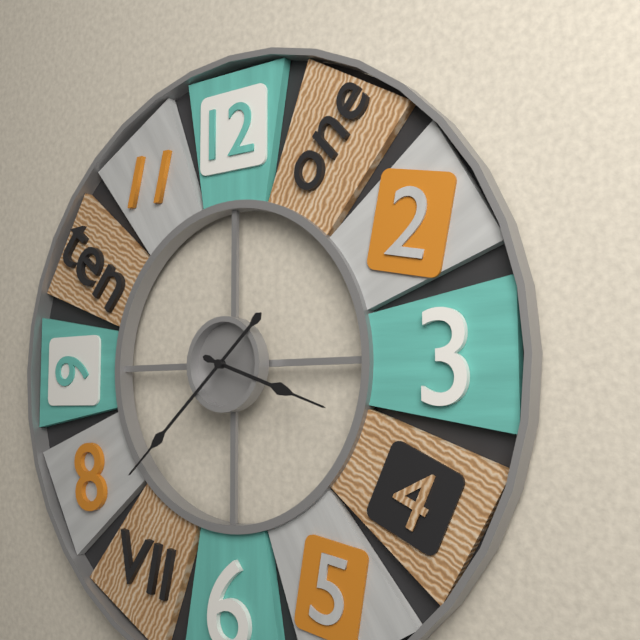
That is 3h38
